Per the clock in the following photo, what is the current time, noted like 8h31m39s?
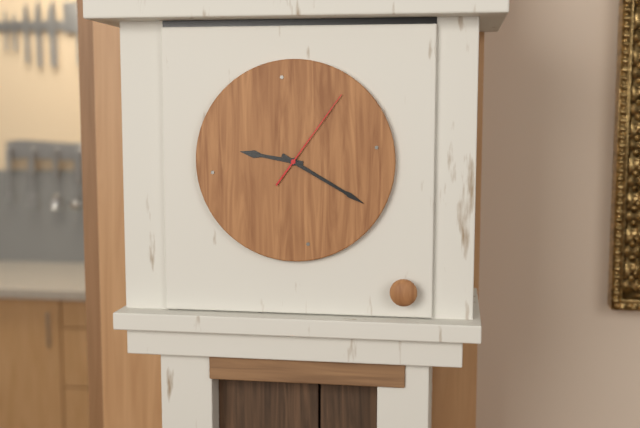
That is 9h20m06s
